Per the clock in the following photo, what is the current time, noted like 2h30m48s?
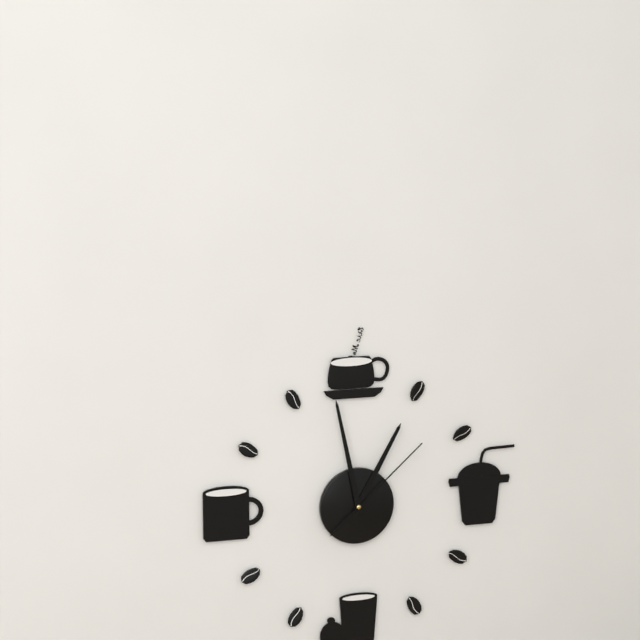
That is 12h58m08s
